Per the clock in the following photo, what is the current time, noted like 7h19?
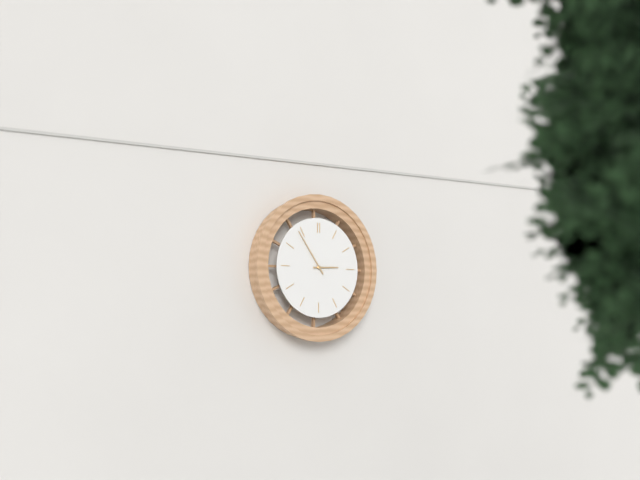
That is 2h54
